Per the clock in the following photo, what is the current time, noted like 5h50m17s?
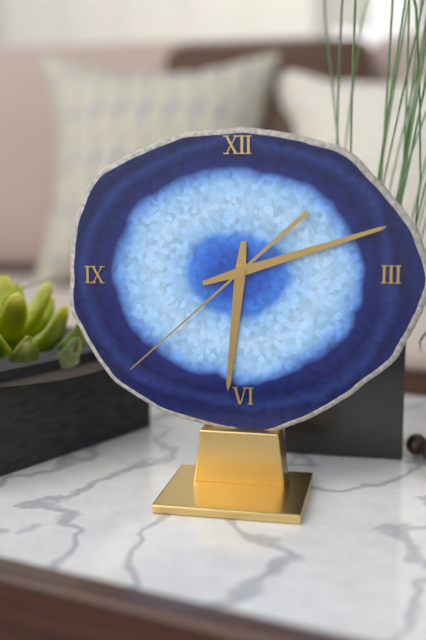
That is 6h12m38s
